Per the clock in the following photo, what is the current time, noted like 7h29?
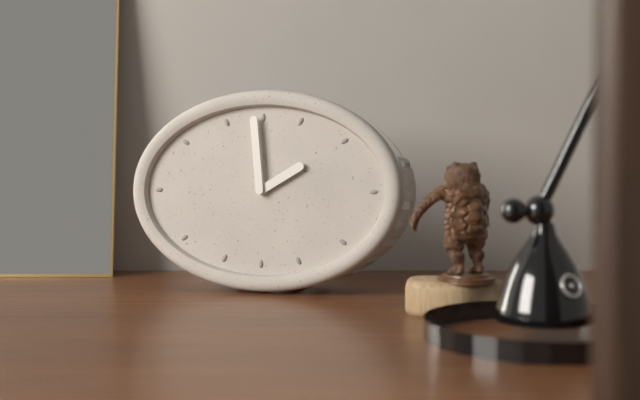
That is 1h59
